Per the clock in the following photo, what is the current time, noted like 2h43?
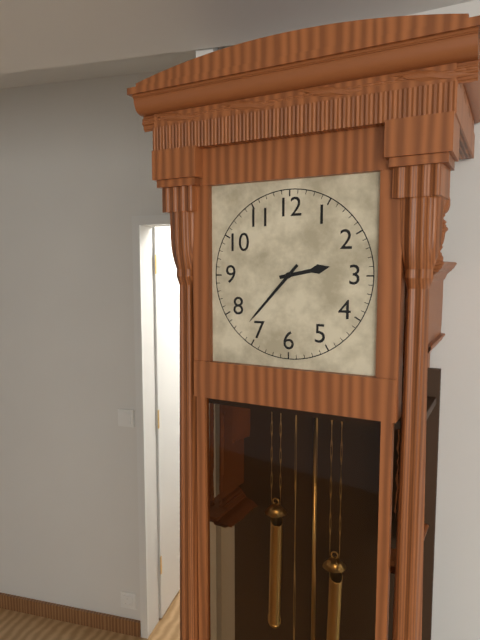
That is 2h37
